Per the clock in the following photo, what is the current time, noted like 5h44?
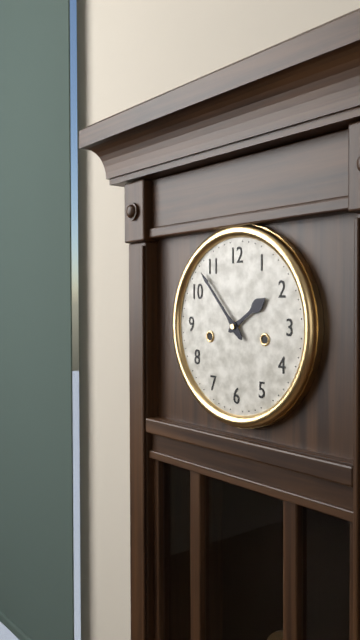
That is 1h53
